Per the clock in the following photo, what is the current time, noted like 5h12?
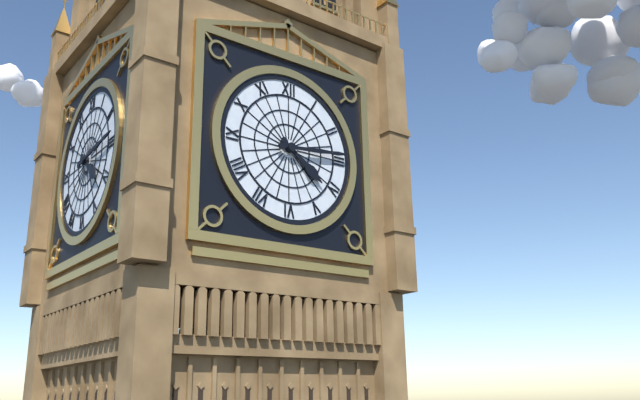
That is 4h14
